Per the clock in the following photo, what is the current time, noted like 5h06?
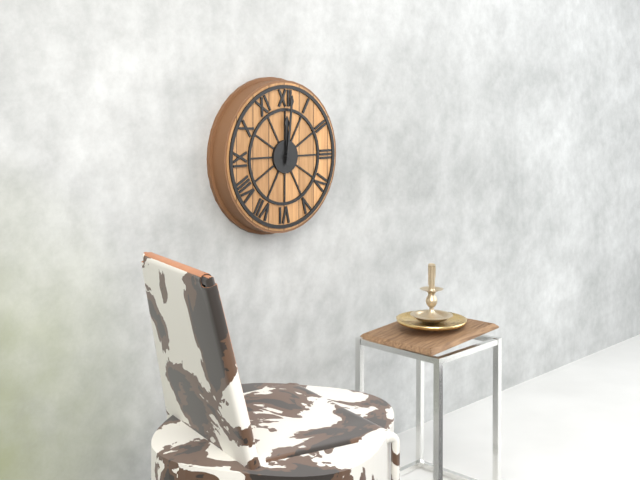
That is 12h01
